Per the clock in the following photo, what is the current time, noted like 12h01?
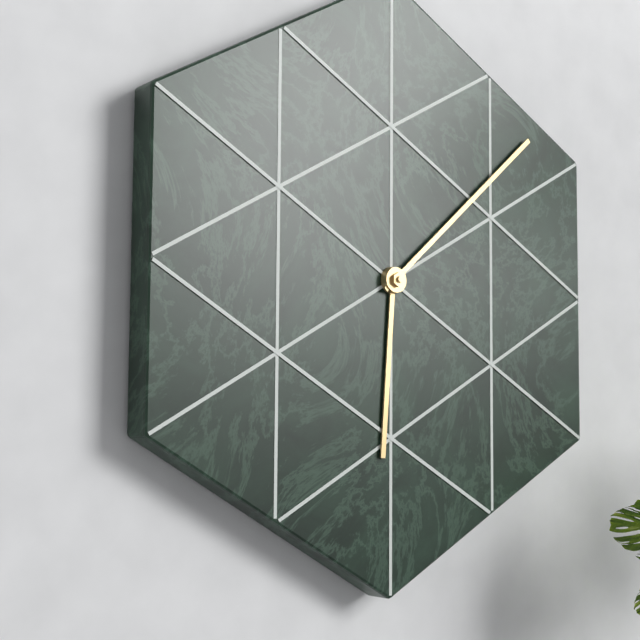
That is 6h08
